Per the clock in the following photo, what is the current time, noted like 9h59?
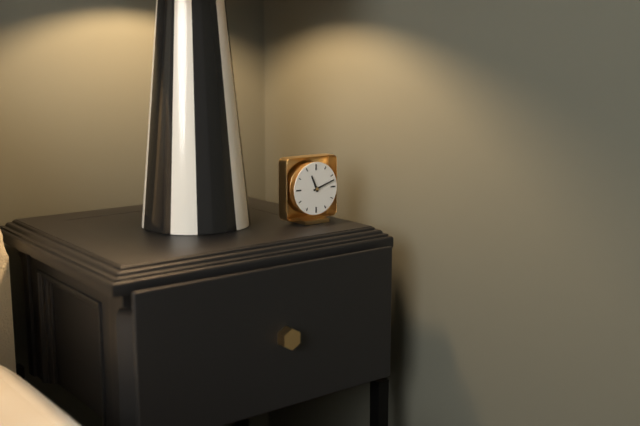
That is 11h12
